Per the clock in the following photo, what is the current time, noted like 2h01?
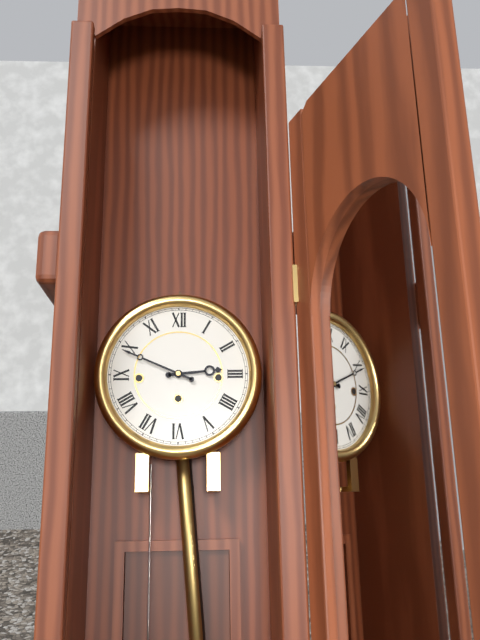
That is 2h49
